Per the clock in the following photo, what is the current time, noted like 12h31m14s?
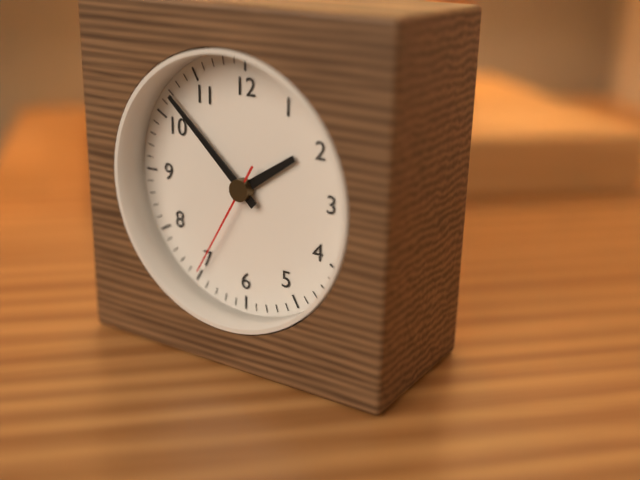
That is 1h52m35s
